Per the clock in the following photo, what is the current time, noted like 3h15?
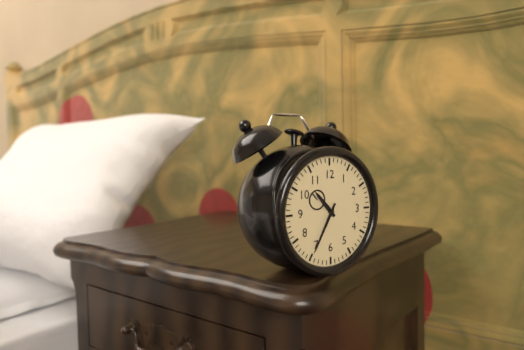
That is 10h35
